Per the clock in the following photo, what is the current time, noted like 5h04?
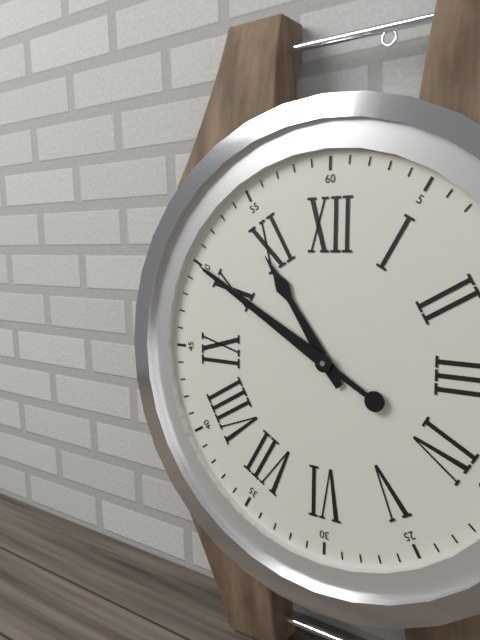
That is 10h50
